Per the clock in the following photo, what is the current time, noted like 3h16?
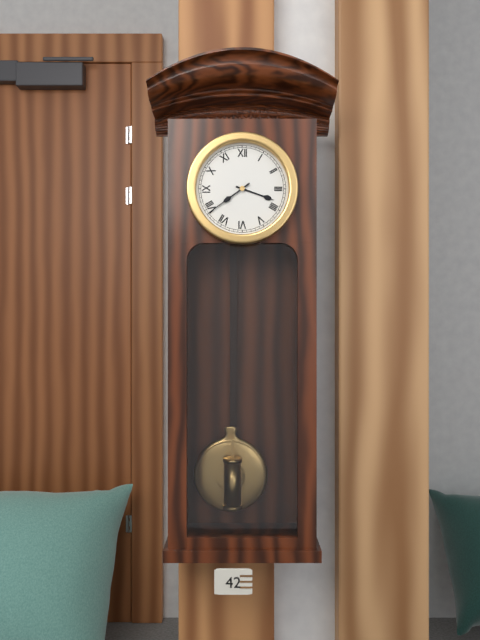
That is 3h39
